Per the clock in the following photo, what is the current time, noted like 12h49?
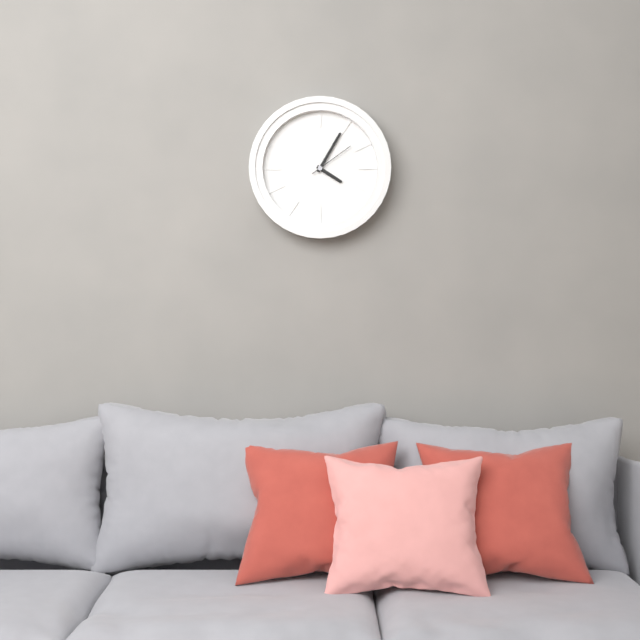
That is 4h05
